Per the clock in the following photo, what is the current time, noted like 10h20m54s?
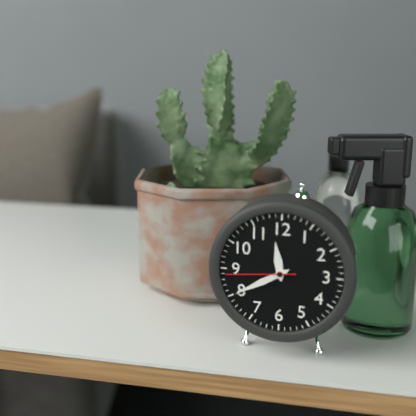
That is 11h40m44s
